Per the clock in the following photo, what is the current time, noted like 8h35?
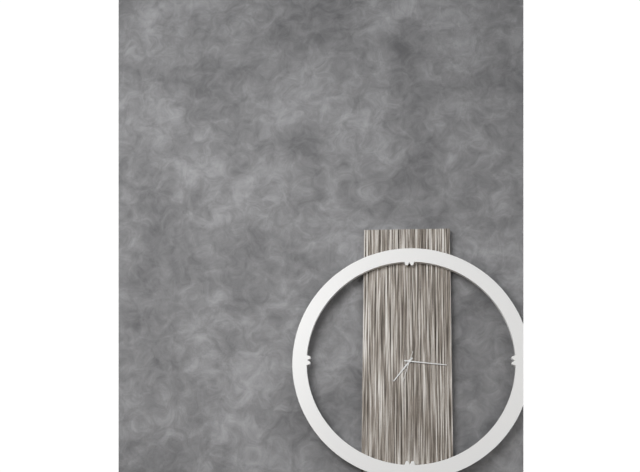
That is 7h16
